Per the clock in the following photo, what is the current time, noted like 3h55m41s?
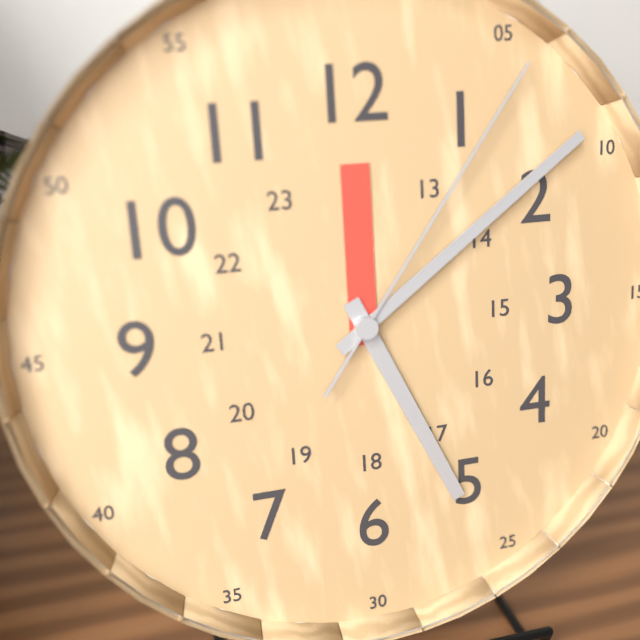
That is 5h09m06s
